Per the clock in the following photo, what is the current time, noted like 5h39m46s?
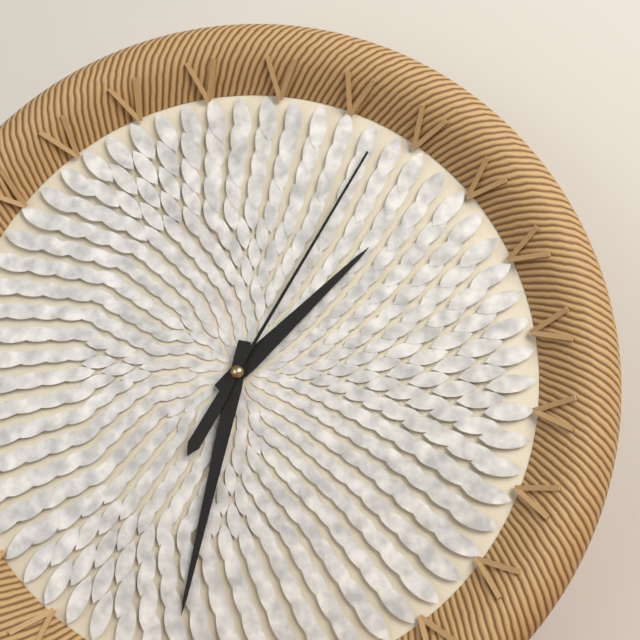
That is 1h32m05s
